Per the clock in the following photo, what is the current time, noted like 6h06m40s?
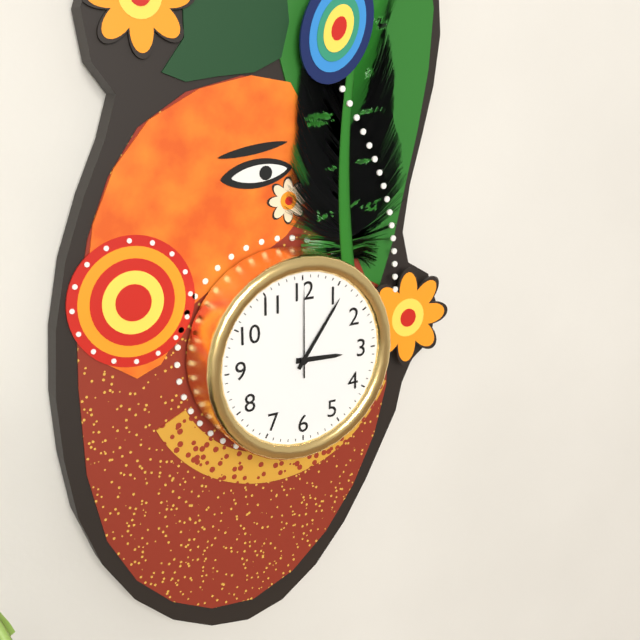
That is 3h06m00s
